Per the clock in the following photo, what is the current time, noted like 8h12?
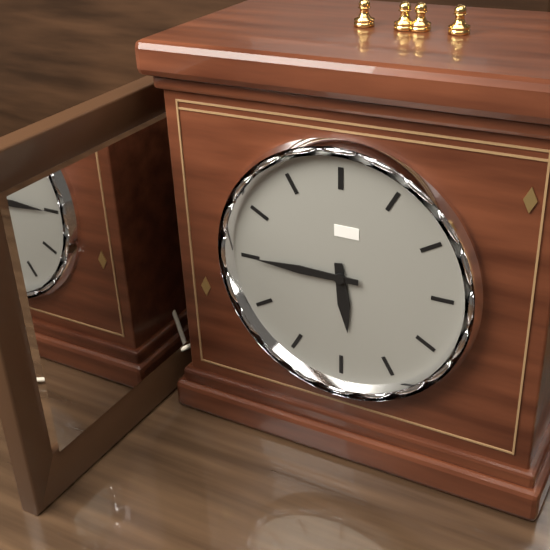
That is 5h45
